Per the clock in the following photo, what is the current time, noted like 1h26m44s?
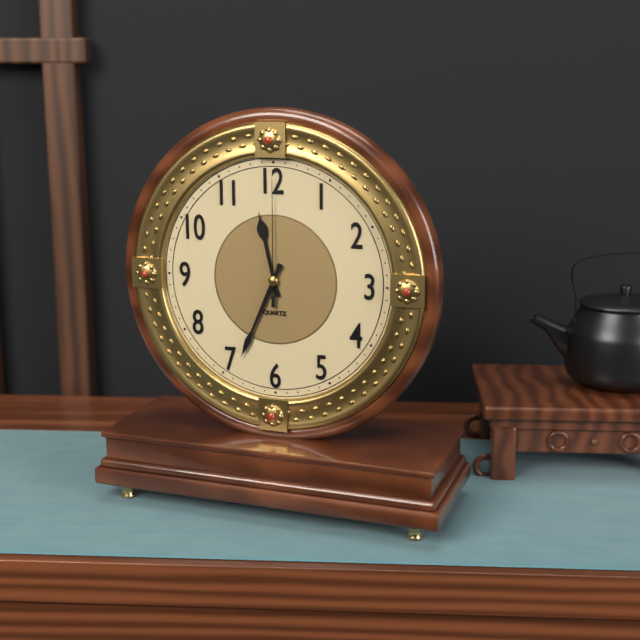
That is 11h34m00s
